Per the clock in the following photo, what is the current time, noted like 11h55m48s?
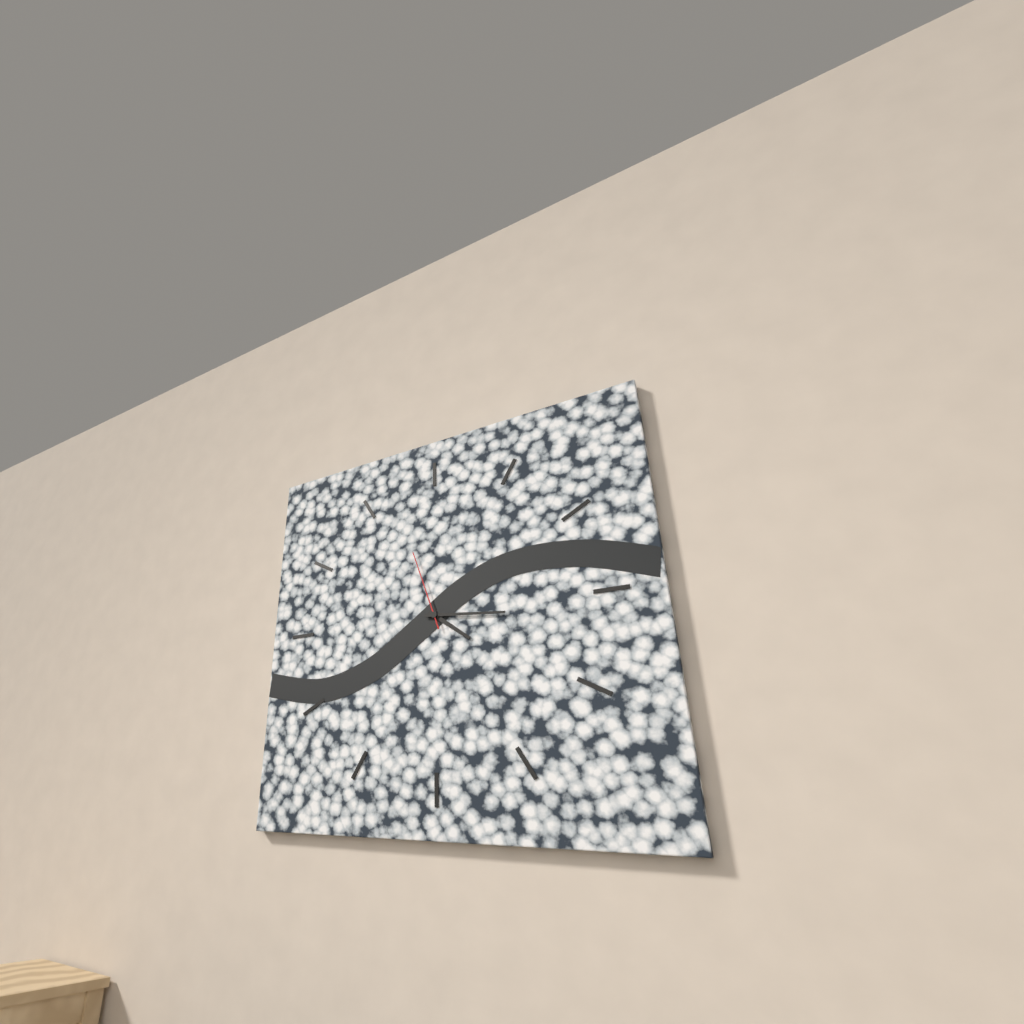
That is 4h16m57s
